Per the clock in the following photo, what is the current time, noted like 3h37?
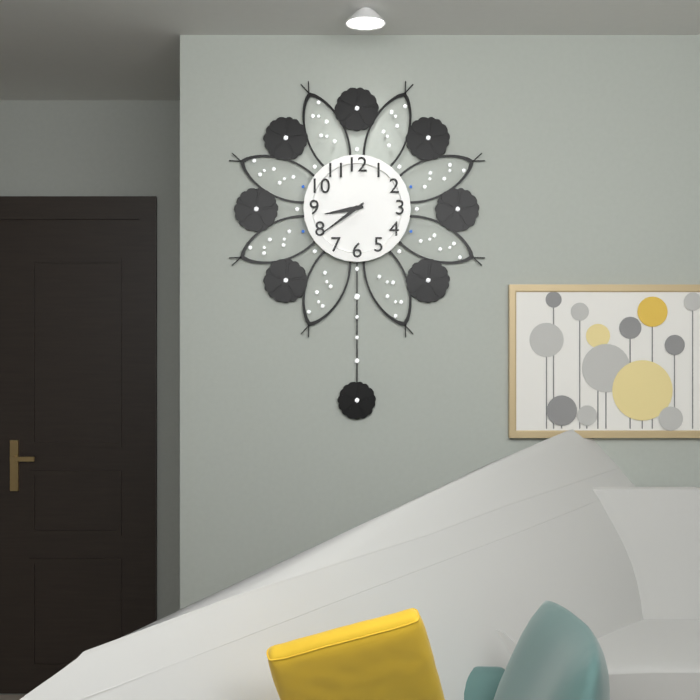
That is 8h39
